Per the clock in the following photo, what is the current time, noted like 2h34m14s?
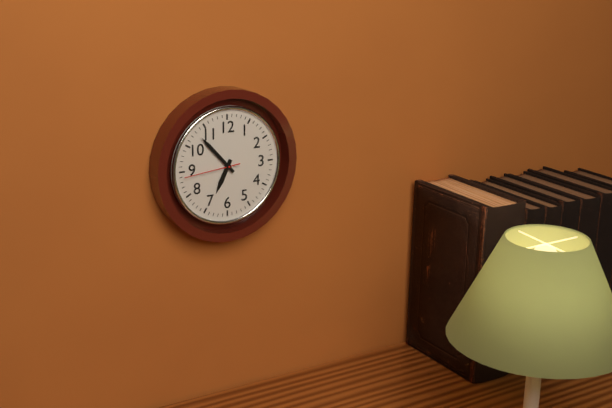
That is 6h53m44s
